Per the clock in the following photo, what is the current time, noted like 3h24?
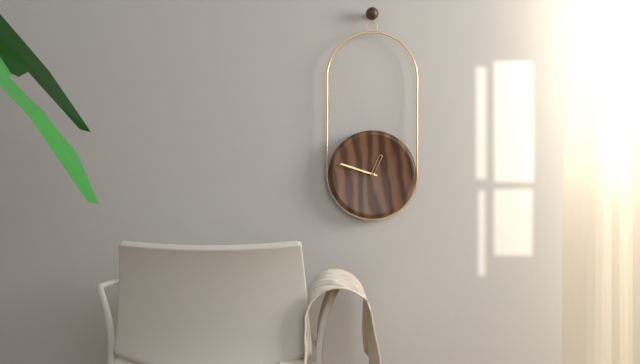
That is 12h48
